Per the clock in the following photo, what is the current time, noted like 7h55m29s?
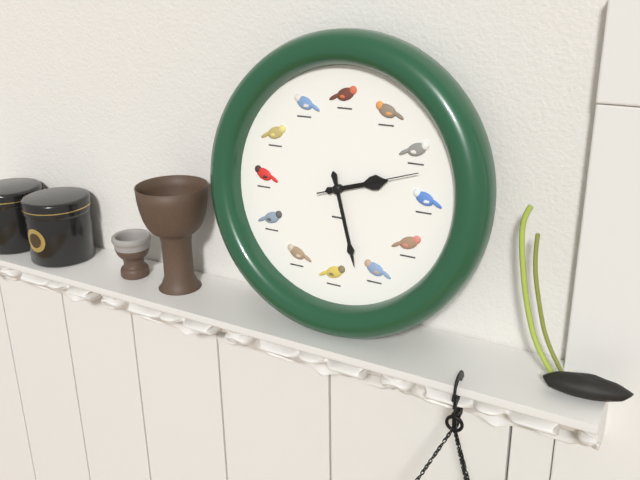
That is 2h27m12s
